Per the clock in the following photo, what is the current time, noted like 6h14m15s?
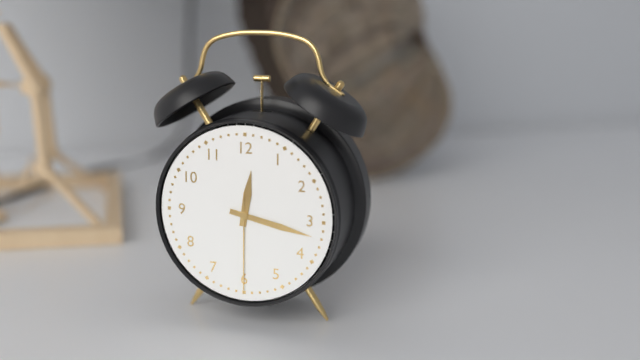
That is 12h17m30s
